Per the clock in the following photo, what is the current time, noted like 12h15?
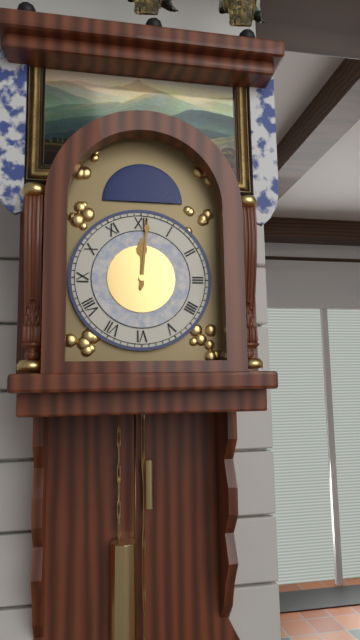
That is 12h01
